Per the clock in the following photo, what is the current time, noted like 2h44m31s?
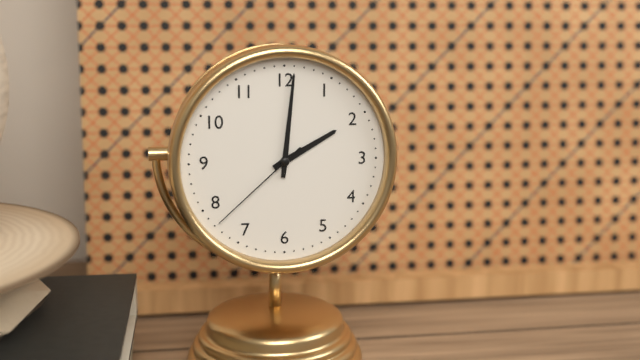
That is 2h01m38s
